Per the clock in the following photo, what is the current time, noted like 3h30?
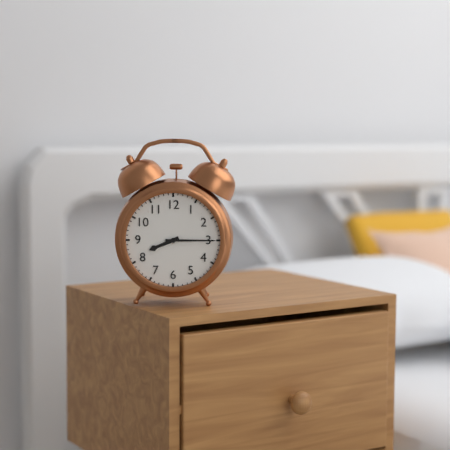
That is 8h15
